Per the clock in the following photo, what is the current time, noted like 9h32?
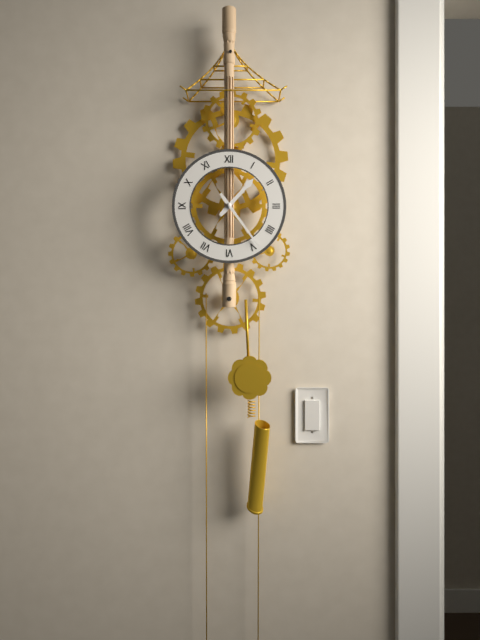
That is 1h24
